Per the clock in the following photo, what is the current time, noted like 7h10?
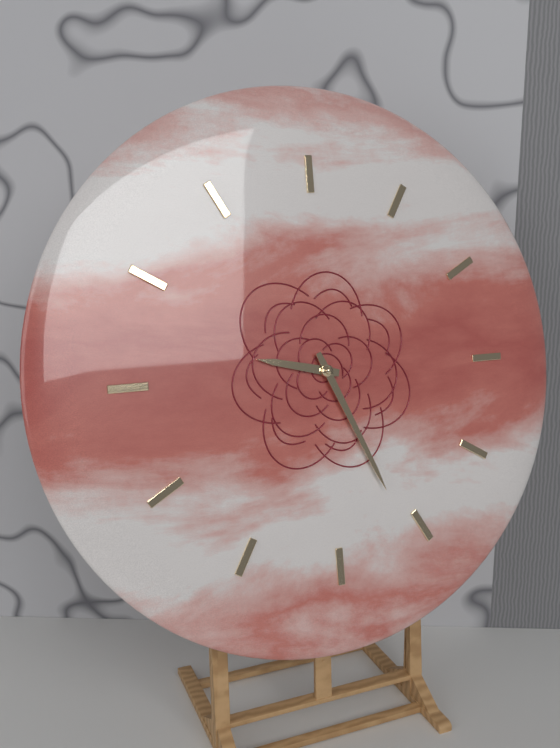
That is 9h26
